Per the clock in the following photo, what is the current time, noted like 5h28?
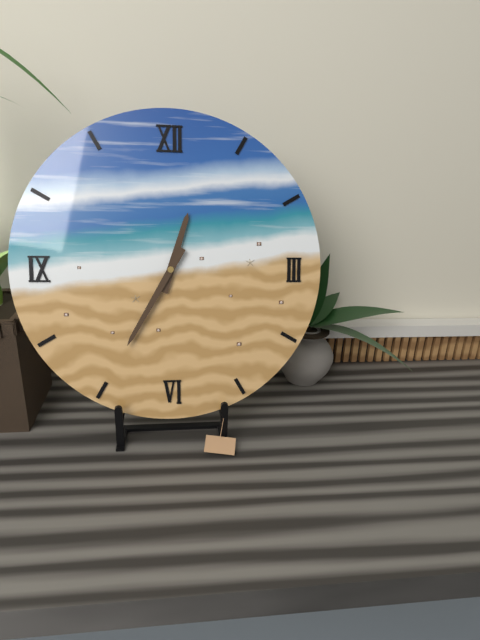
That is 12h35
